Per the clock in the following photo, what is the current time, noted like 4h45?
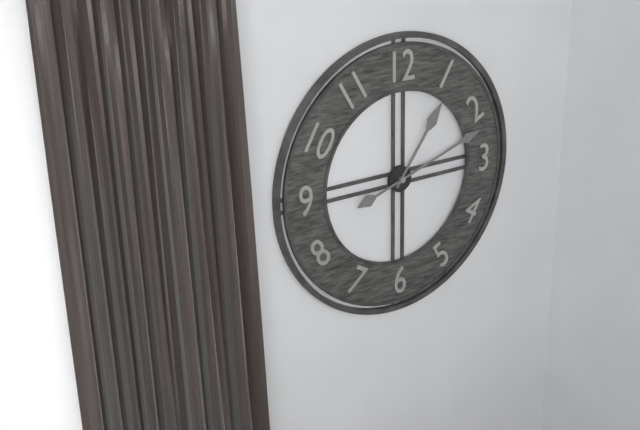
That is 1h12
